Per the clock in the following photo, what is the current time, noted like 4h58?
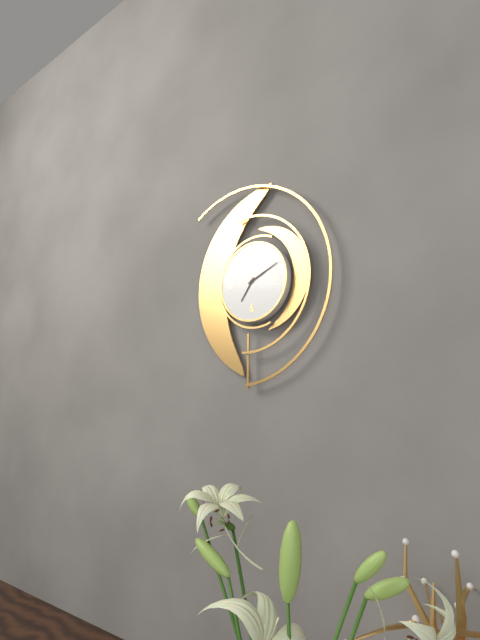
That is 7h11
